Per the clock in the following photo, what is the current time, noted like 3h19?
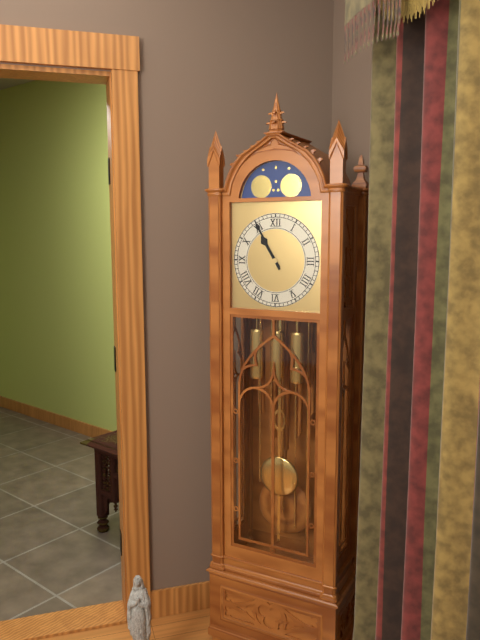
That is 10h55
